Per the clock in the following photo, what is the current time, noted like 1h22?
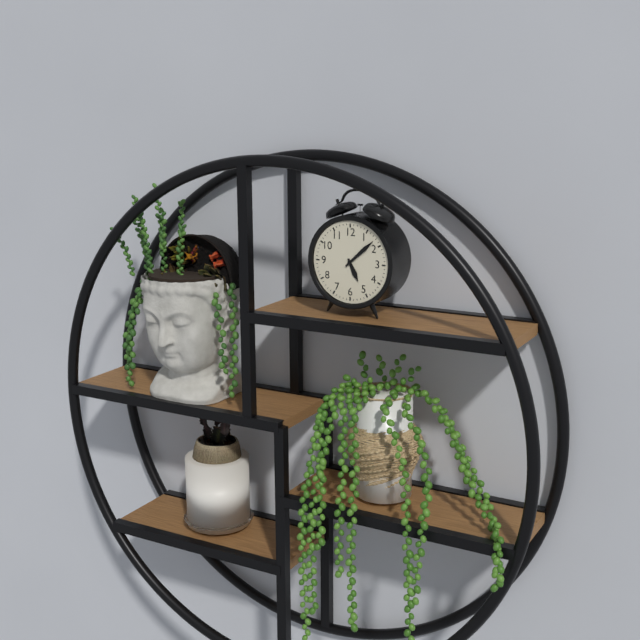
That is 5h08
